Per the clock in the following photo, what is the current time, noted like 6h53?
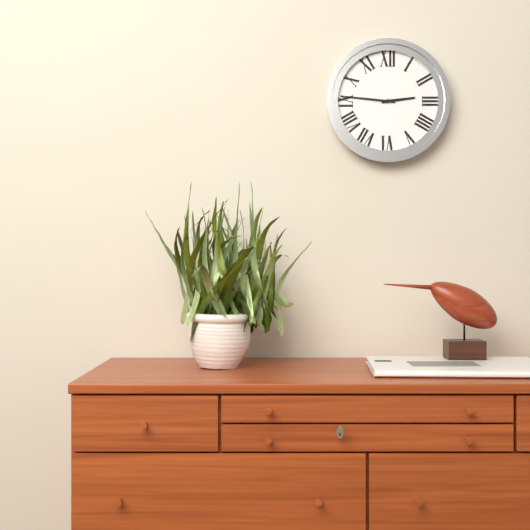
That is 2h46
